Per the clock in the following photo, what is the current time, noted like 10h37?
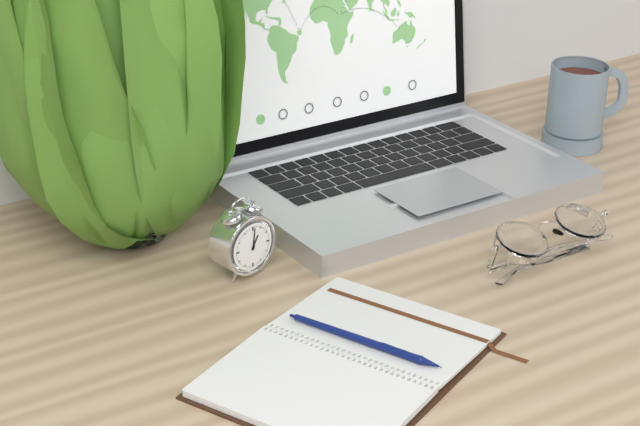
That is 1h01
